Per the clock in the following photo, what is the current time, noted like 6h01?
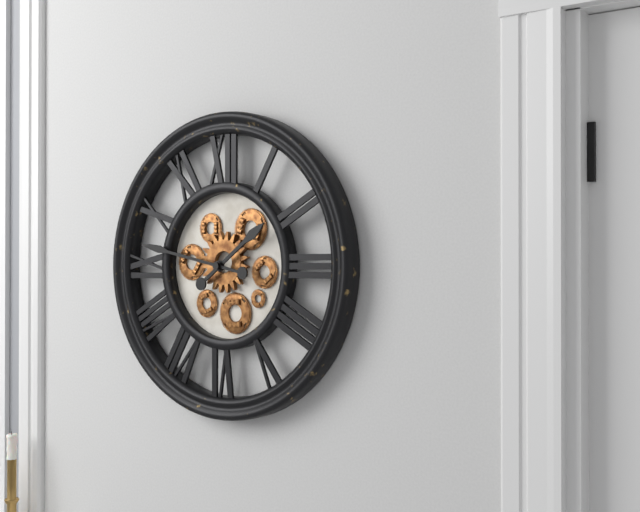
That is 1h47
